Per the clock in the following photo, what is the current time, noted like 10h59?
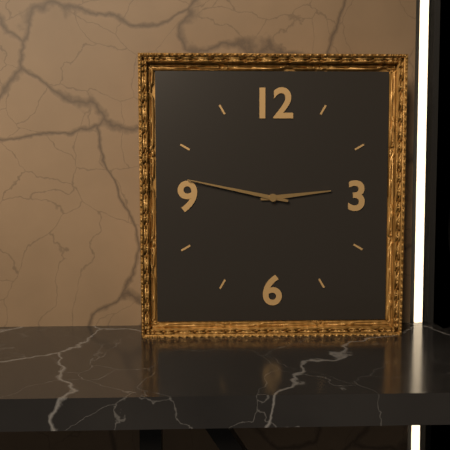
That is 2h47
